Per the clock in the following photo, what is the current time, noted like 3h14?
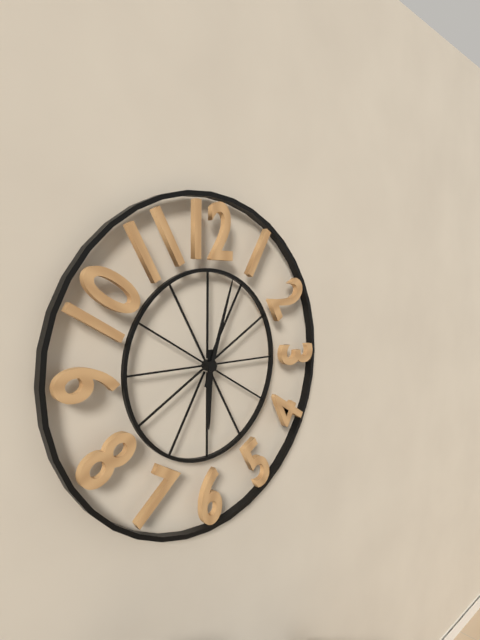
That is 6h03
